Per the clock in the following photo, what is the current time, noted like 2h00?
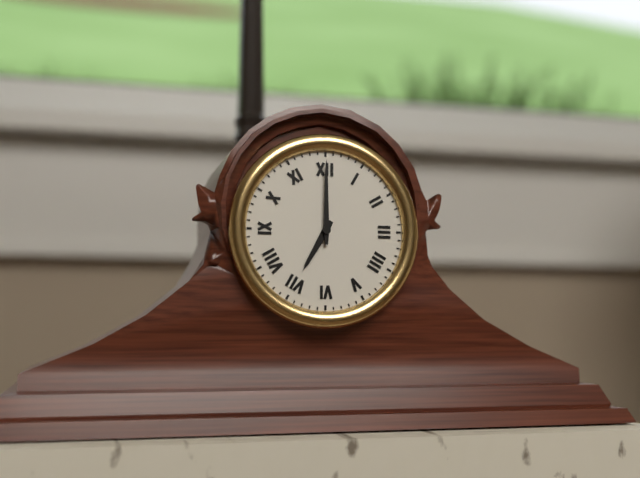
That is 7h00
